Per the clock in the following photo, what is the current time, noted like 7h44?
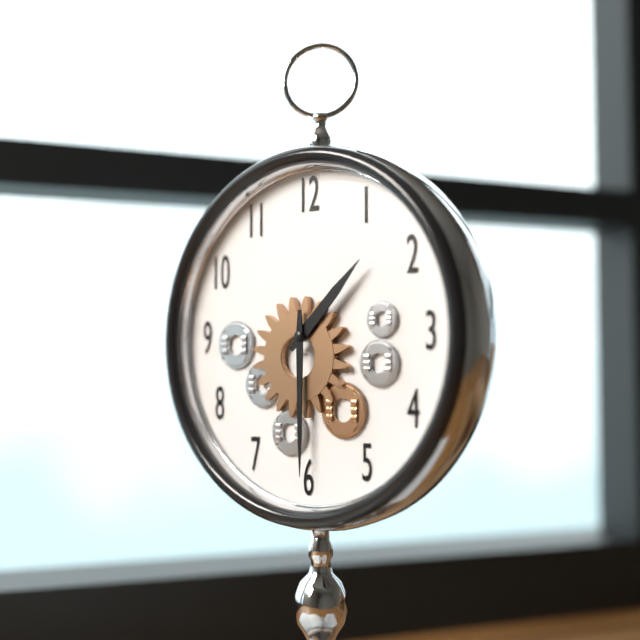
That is 1h30
